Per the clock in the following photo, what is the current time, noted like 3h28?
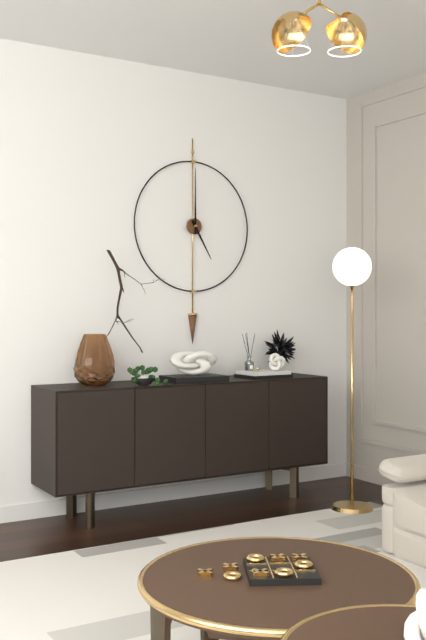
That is 5h00
